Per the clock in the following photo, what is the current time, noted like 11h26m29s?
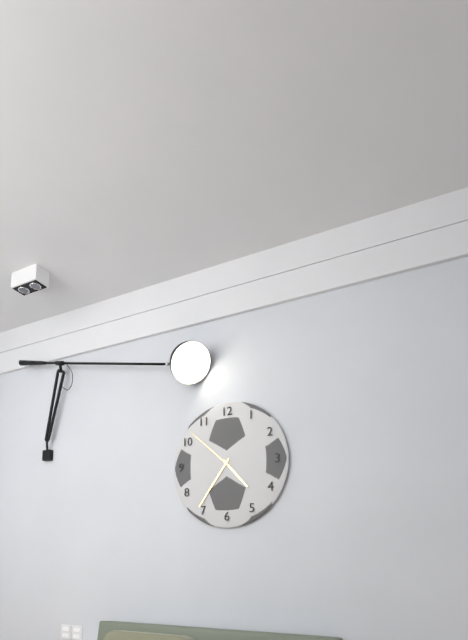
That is 4h36m52s
